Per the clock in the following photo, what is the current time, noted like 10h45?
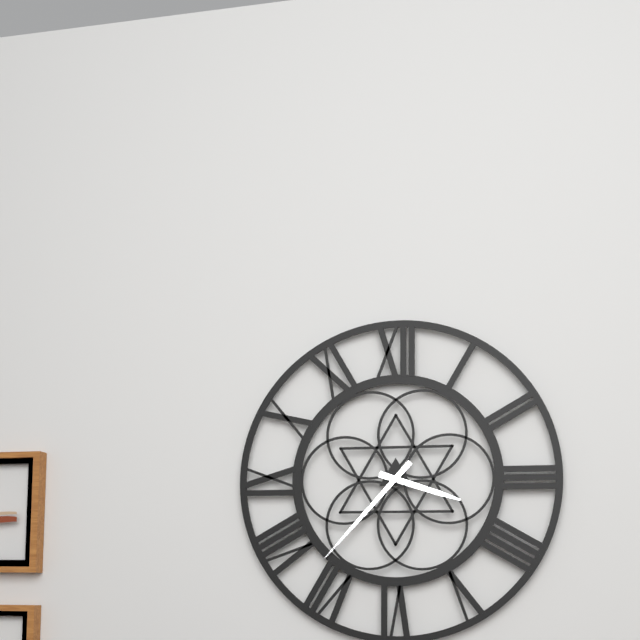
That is 3h37
